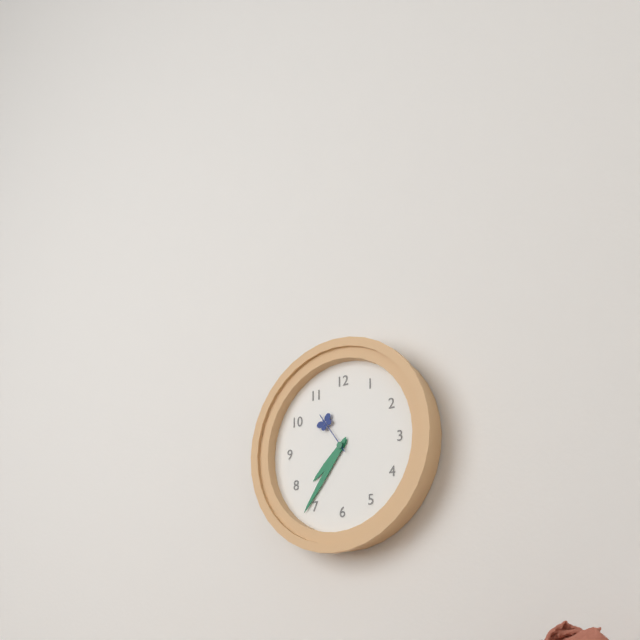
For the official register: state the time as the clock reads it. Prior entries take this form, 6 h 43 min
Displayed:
7 h 36 min
